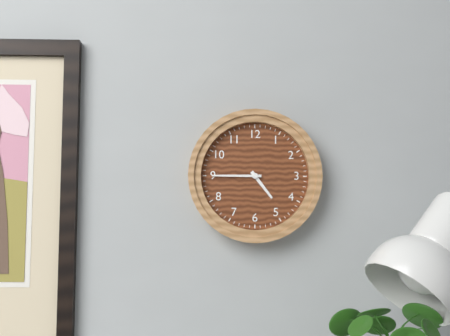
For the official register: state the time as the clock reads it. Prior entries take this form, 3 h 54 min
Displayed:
4 h 45 min
